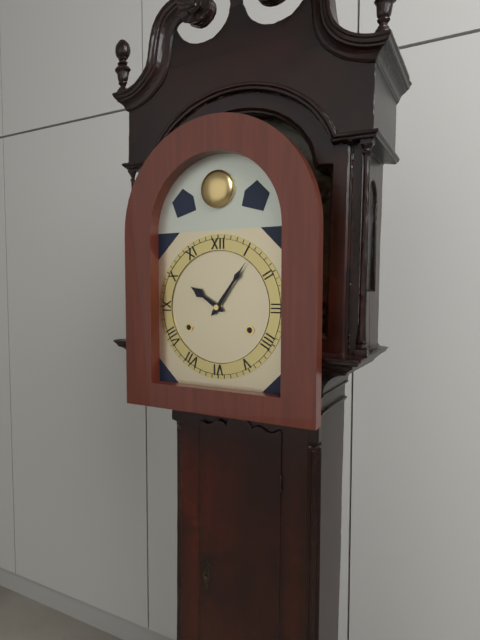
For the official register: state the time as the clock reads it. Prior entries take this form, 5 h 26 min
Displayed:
10 h 06 min
